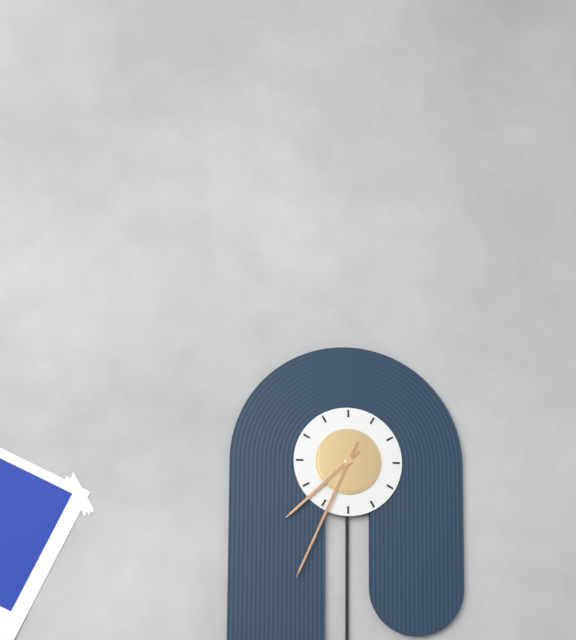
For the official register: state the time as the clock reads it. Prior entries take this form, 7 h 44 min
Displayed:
7 h 34 min
